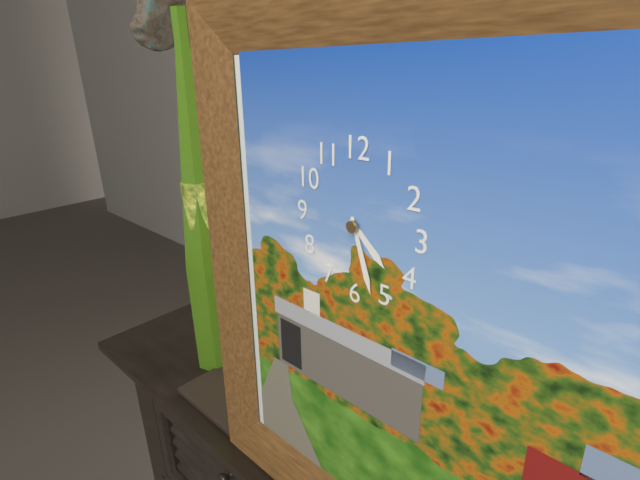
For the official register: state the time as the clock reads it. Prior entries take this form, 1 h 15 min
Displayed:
4 h 27 min
